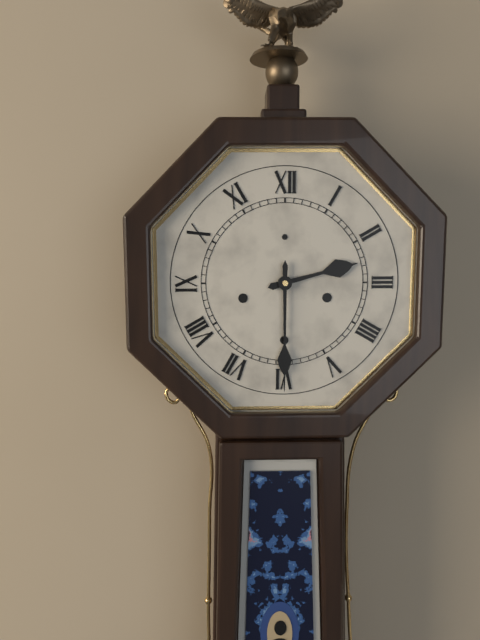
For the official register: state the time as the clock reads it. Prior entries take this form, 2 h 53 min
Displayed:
2 h 30 min
